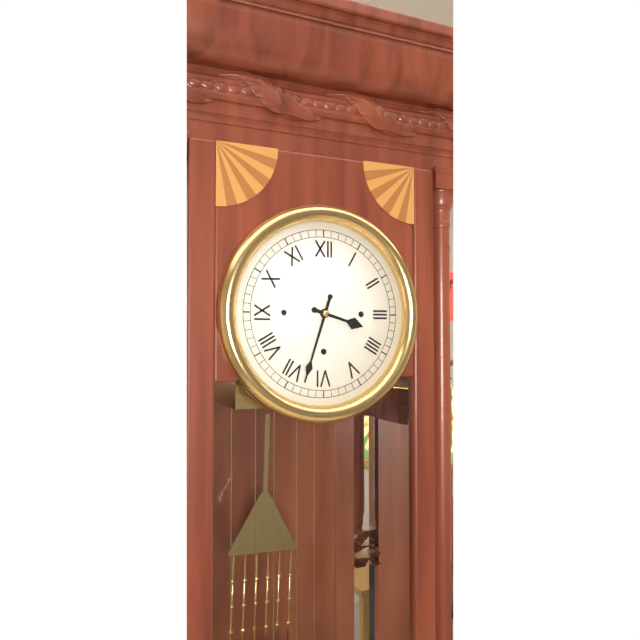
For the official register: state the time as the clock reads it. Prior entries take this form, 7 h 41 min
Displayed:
3 h 33 min
